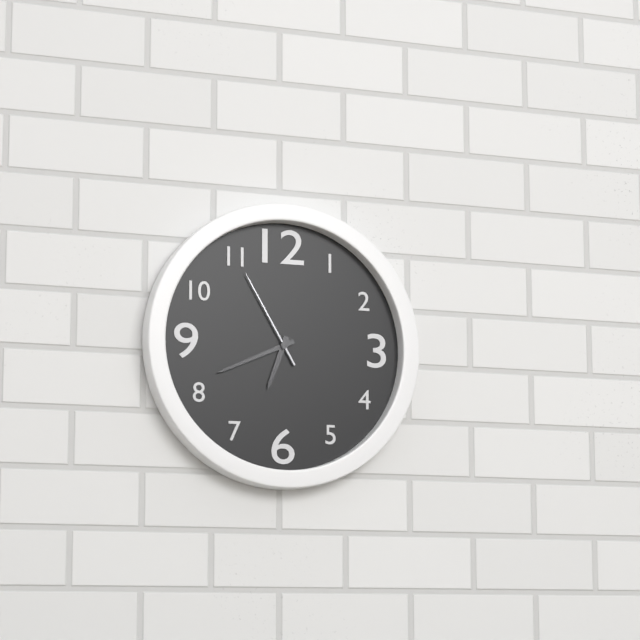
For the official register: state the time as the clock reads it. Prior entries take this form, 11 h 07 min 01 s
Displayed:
6 h 41 min 55 s
